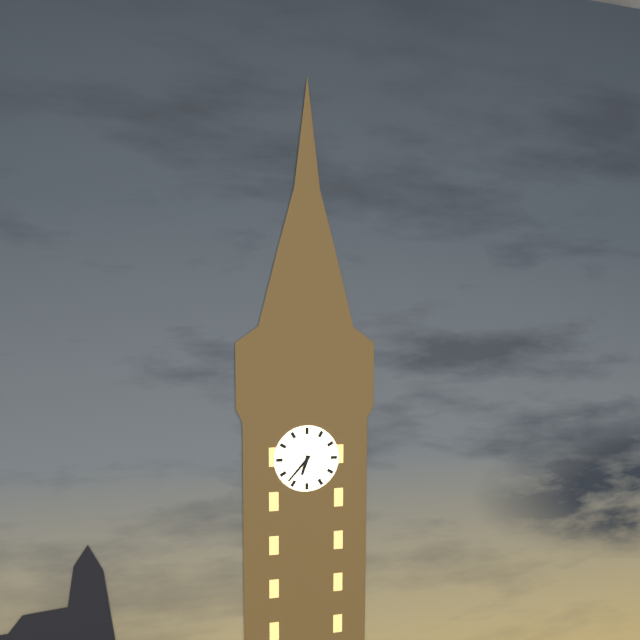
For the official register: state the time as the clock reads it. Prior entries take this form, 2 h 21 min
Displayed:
6 h 37 min
